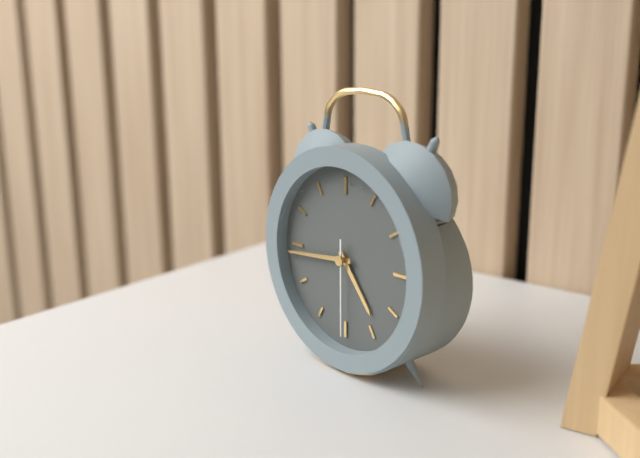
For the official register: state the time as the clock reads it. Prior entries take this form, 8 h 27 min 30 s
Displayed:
4 h 44 min 30 s
